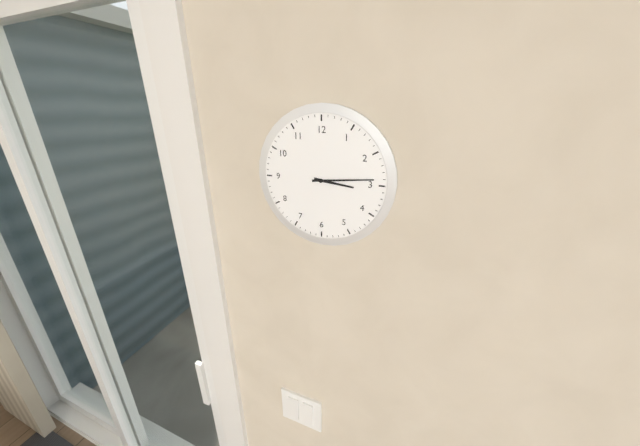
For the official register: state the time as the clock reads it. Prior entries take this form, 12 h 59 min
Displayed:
3 h 14 min
